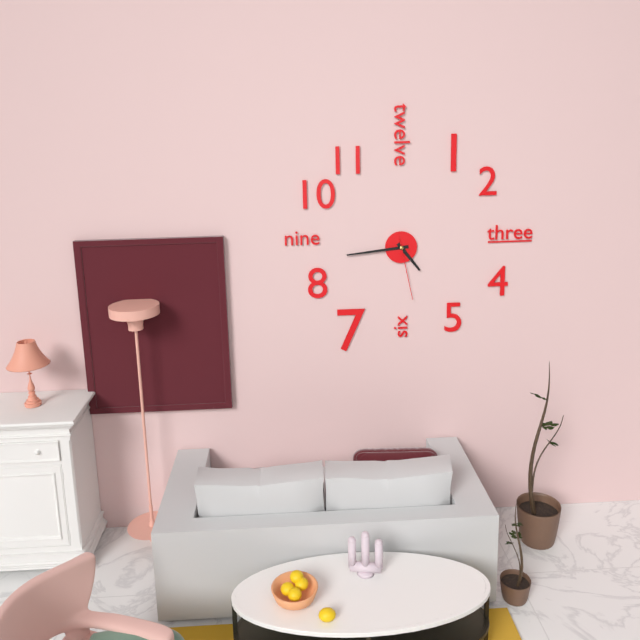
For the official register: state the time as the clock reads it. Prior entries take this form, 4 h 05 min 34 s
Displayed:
4 h 44 min 28 s
